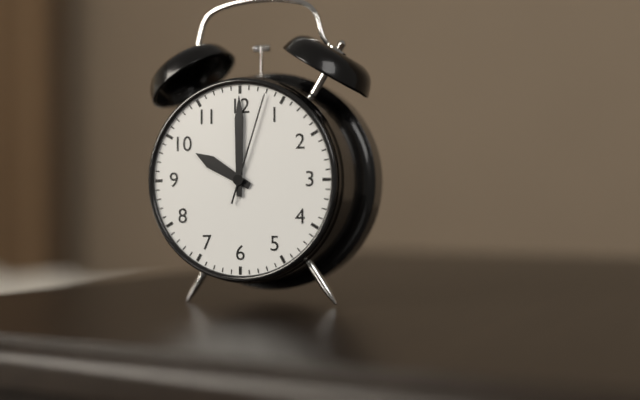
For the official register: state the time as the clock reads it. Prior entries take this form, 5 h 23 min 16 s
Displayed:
10 h 00 min 03 s
